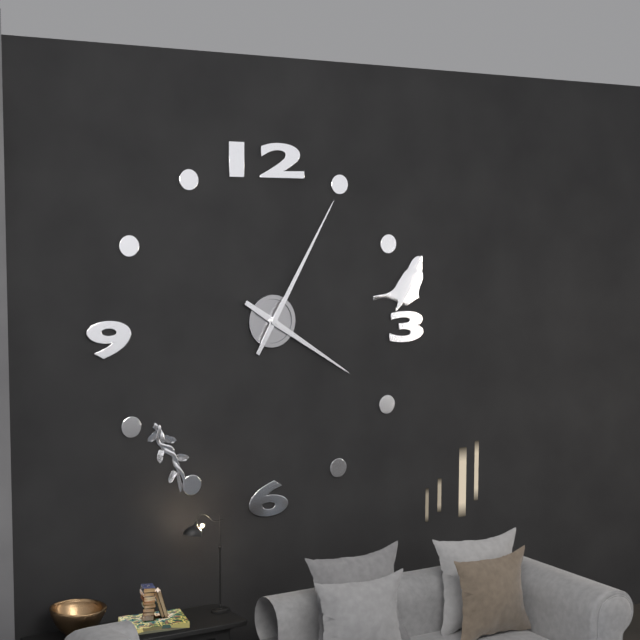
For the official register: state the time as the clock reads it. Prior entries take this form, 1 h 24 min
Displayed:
4 h 05 min
